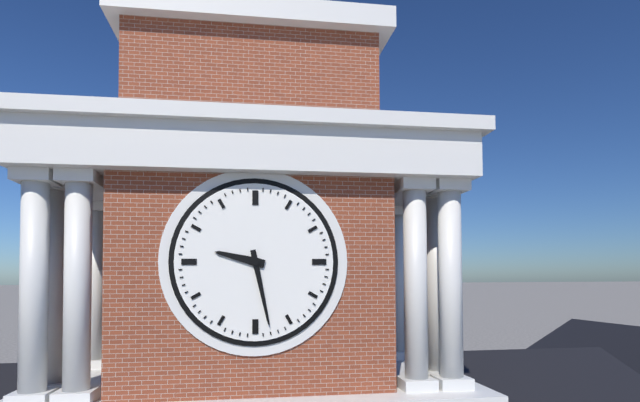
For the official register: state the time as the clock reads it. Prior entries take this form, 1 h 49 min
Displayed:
9 h 28 min
